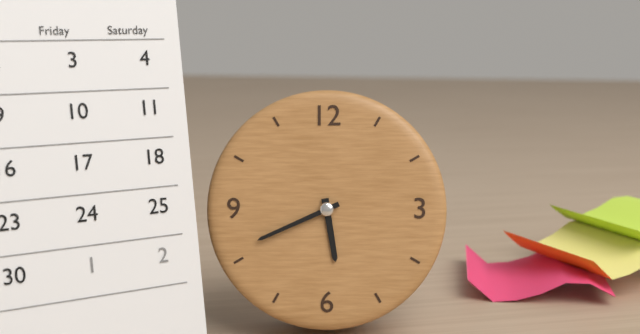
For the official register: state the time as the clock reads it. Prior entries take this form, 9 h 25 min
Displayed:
5 h 41 min
